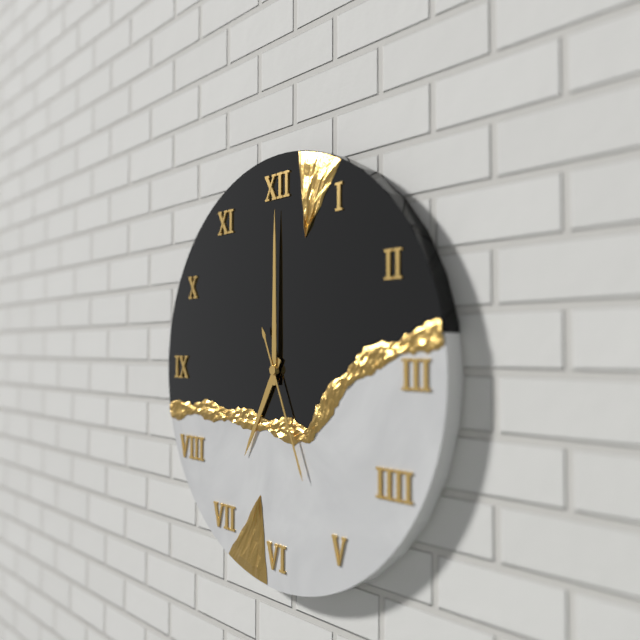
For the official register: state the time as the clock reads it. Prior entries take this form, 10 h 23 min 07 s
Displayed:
7 h 00 min 26 s
